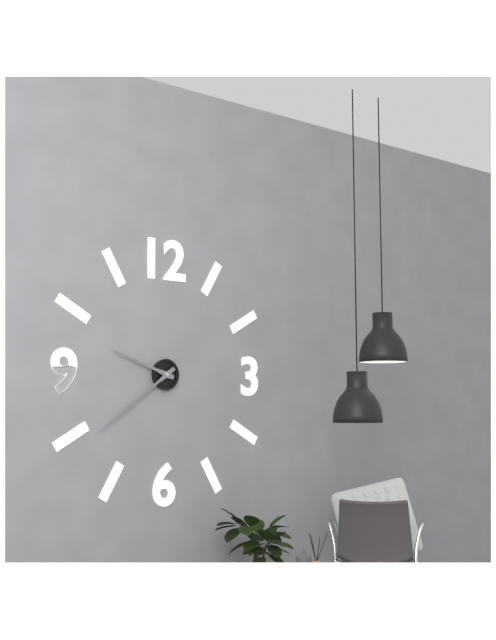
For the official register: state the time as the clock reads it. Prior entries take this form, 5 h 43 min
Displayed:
9 h 39 min
